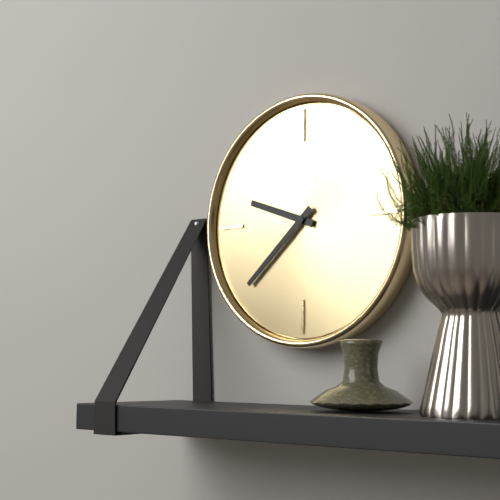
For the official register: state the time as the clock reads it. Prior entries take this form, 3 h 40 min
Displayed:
9 h 38 min
